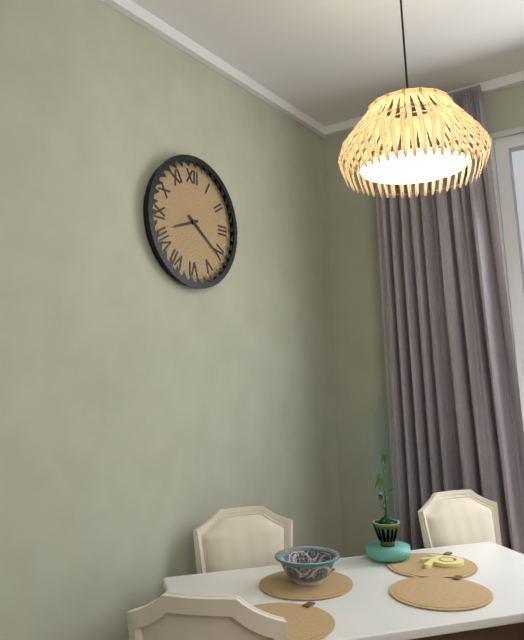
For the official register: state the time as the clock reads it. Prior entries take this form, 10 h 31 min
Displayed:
8 h 21 min
